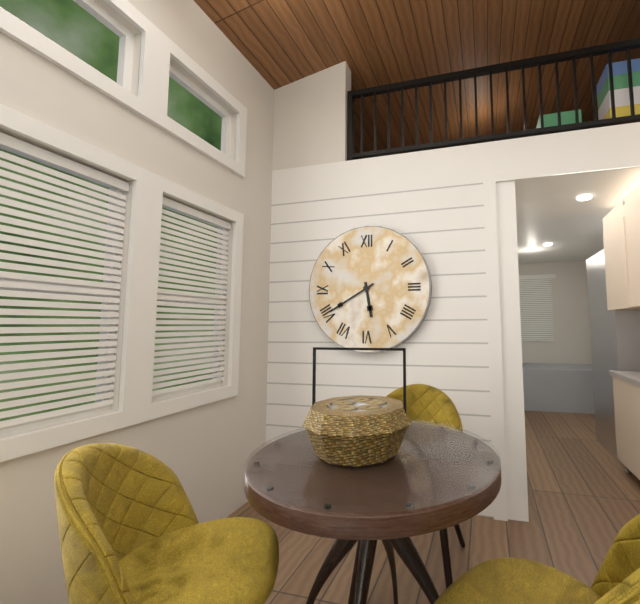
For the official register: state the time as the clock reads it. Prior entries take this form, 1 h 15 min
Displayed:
5 h 40 min
